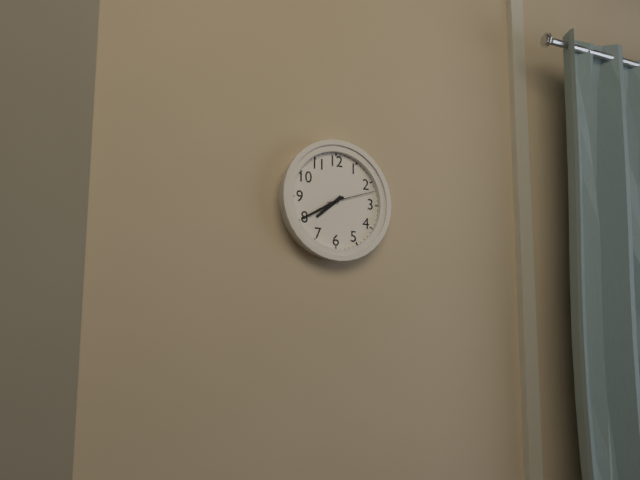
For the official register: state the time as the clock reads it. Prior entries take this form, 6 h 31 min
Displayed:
7 h 40 min
